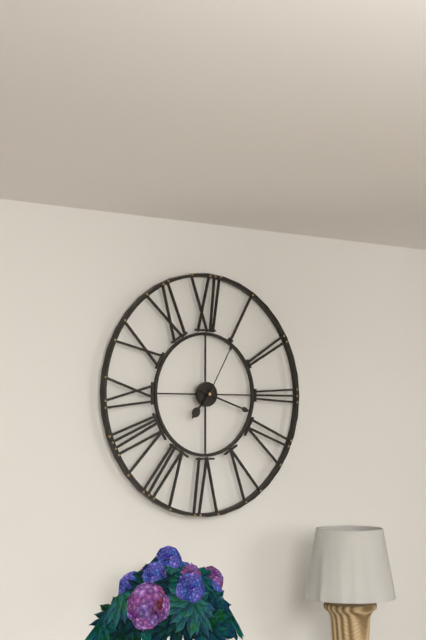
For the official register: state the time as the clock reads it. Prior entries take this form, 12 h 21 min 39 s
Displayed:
7 h 18 min 05 s
